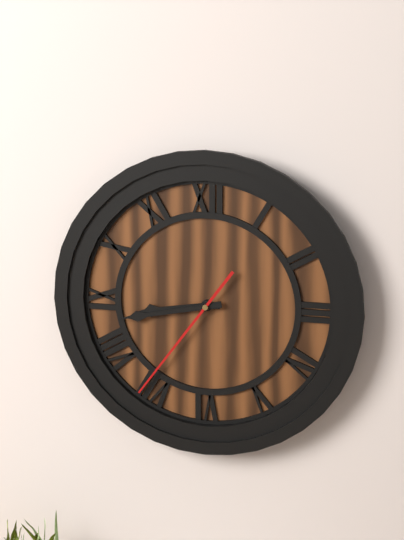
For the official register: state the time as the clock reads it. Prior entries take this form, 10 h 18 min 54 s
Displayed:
8 h 43 min 36 s
